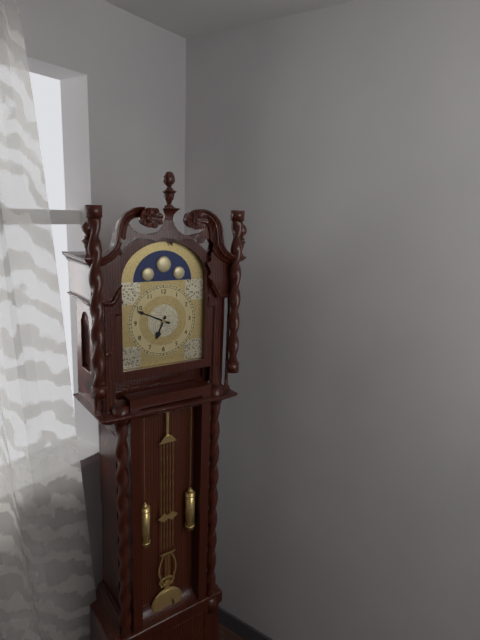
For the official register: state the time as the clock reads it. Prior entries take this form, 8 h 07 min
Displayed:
6 h 49 min
